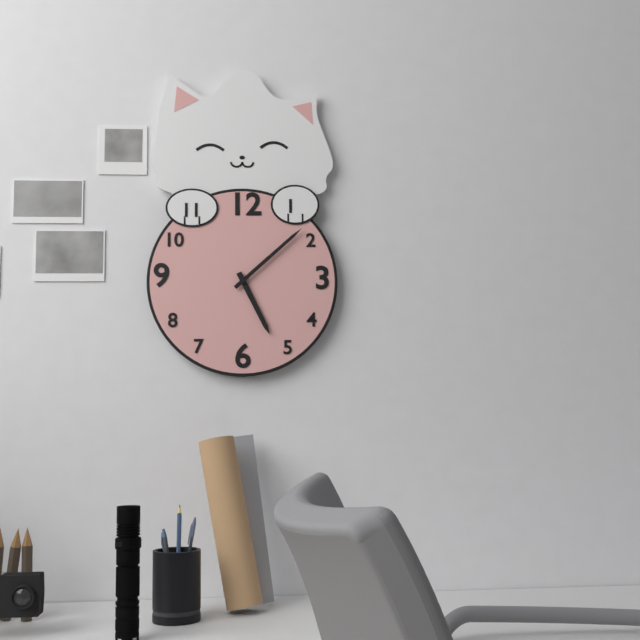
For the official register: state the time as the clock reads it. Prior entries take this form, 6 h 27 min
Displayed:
5 h 08 min
